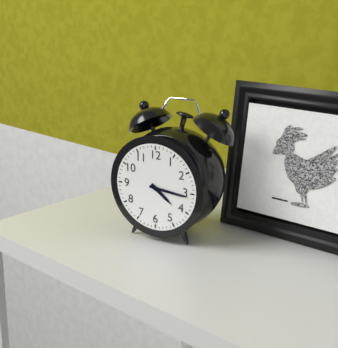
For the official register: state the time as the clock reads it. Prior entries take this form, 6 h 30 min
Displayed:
4 h 16 min
